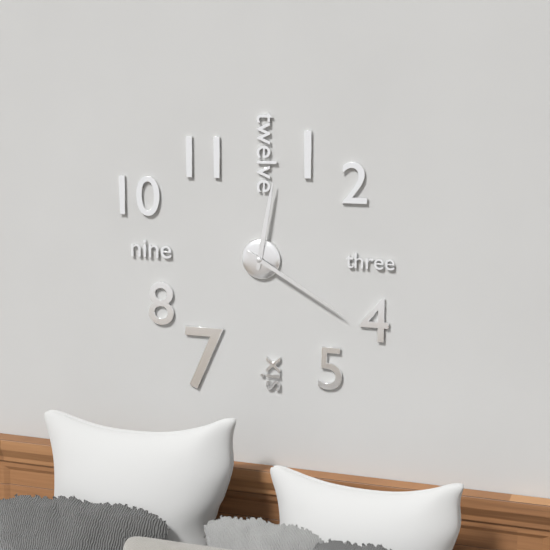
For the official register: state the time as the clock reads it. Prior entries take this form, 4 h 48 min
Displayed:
12 h 20 min
